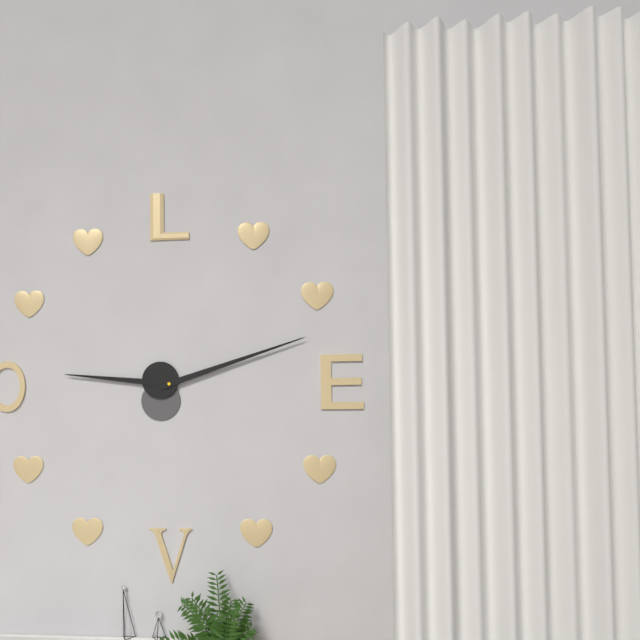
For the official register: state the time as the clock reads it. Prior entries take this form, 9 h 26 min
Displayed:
9 h 12 min
